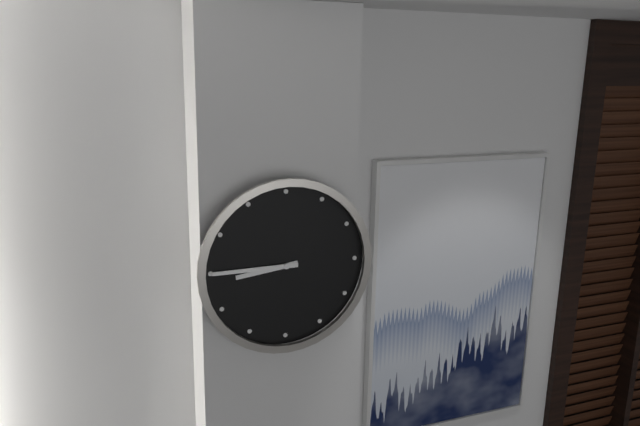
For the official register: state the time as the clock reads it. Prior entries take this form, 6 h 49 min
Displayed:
8 h 45 min
